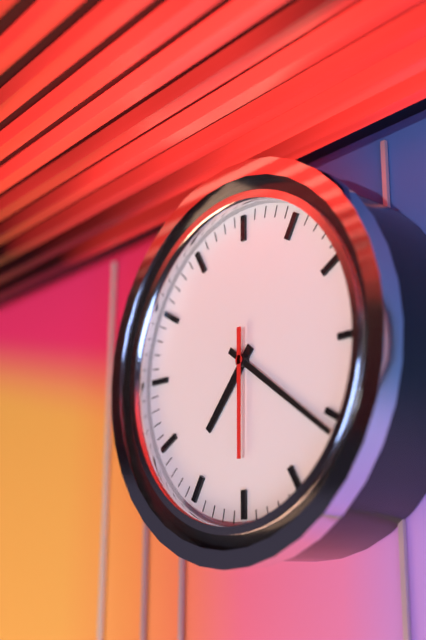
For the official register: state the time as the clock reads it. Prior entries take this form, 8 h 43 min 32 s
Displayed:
7 h 21 min 30 s
